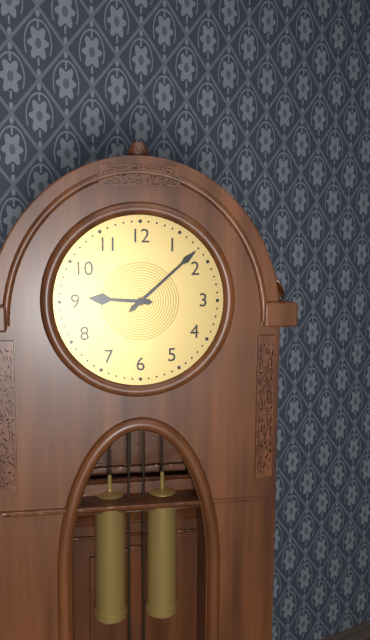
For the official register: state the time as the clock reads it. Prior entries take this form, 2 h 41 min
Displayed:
9 h 08 min
